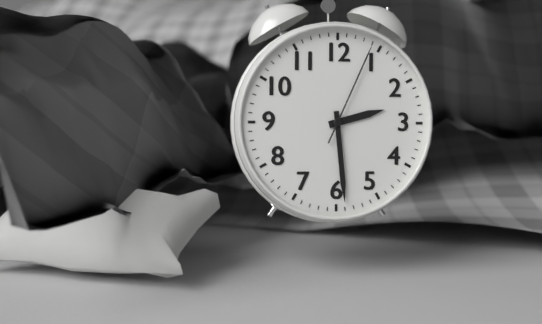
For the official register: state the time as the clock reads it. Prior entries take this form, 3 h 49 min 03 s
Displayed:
2 h 29 min 04 s
